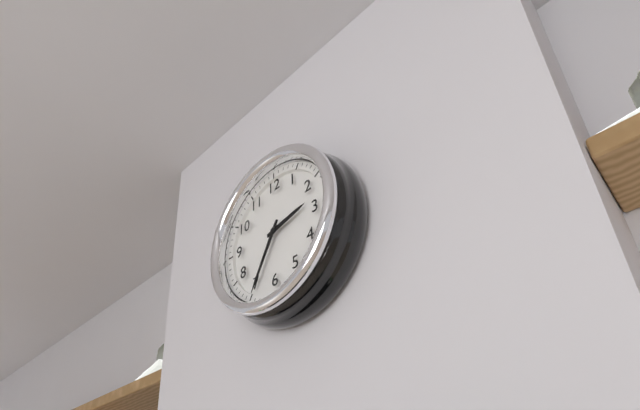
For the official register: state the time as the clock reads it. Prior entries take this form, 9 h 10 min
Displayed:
2 h 35 min
